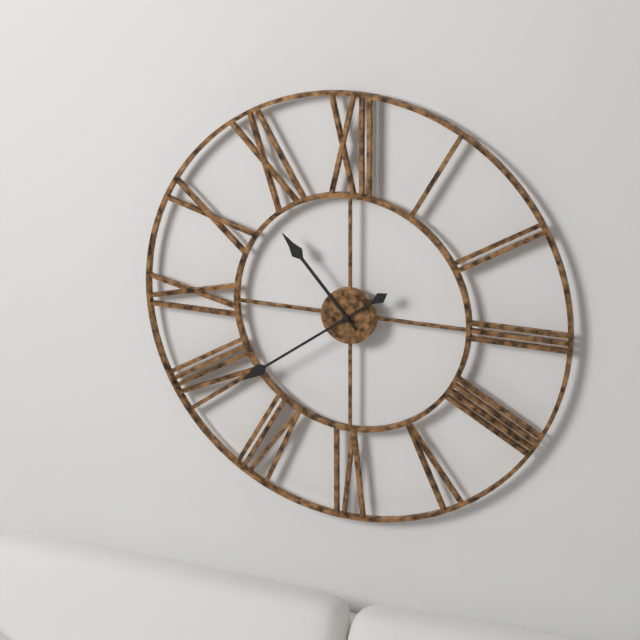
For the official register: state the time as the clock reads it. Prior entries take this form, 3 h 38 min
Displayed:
10 h 39 min
